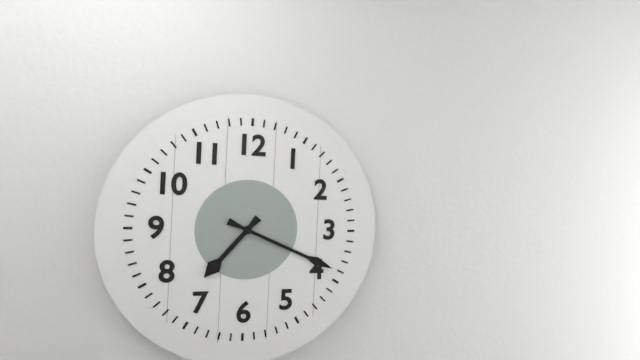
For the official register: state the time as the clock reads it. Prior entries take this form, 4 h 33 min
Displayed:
7 h 19 min
